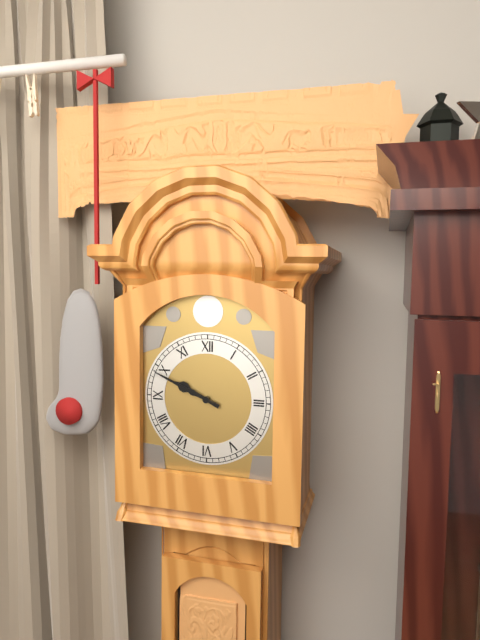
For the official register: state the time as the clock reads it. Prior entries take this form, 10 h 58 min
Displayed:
9 h 49 min
